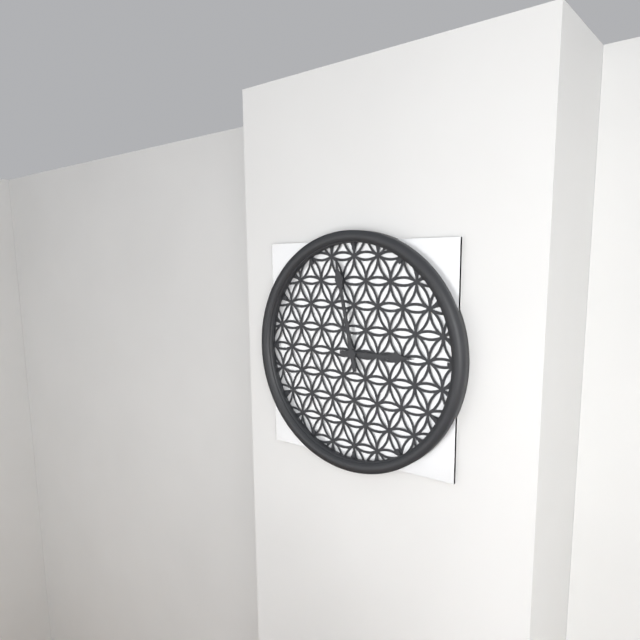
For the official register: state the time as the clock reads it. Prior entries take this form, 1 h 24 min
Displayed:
2 h 58 min
